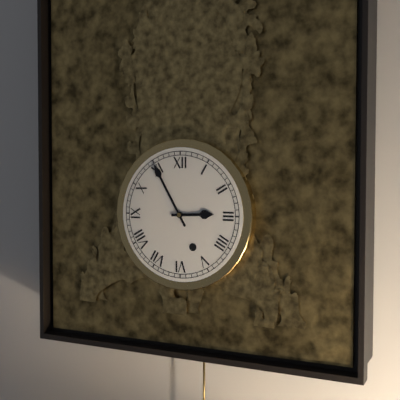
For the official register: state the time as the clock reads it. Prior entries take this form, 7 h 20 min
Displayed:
2 h 55 min
